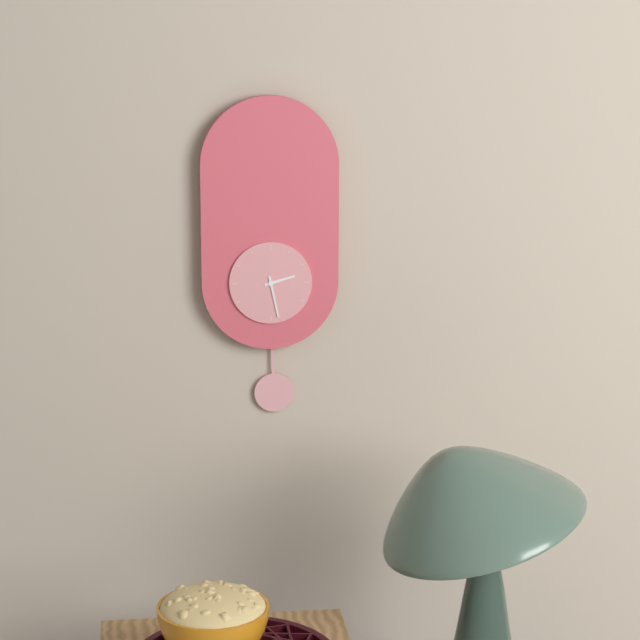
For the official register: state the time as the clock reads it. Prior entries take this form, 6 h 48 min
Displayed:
2 h 28 min
